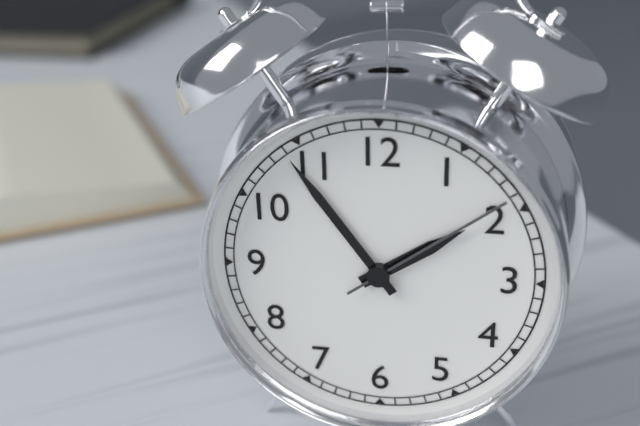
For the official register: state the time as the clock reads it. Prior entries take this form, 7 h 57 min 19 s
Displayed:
1 h 54 min 09 s
